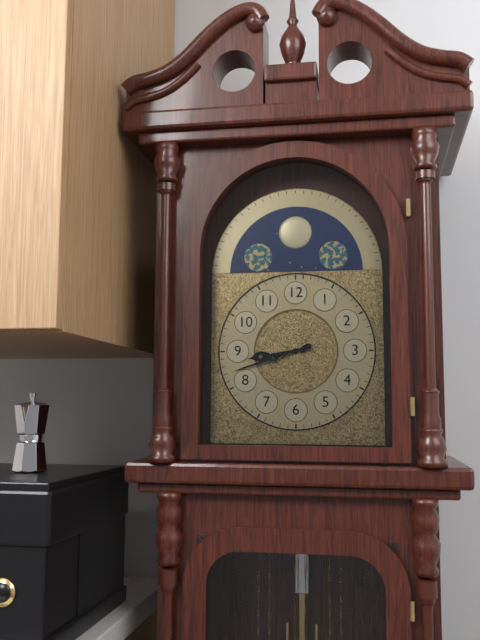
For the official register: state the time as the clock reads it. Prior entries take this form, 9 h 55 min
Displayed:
8 h 42 min
